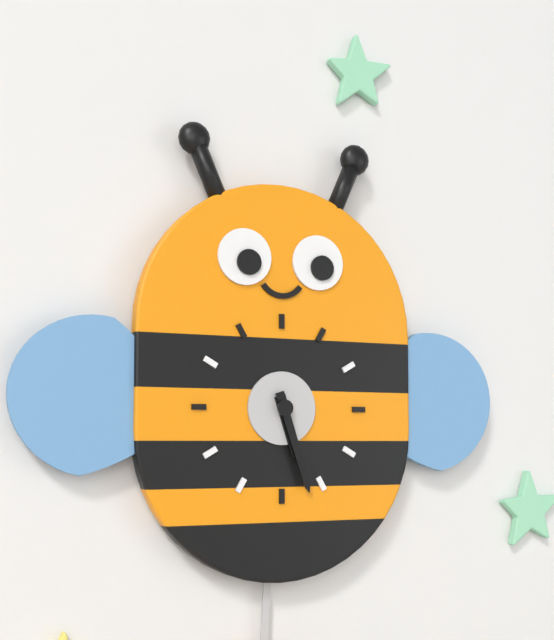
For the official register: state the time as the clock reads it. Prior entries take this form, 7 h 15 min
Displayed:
5 h 27 min
